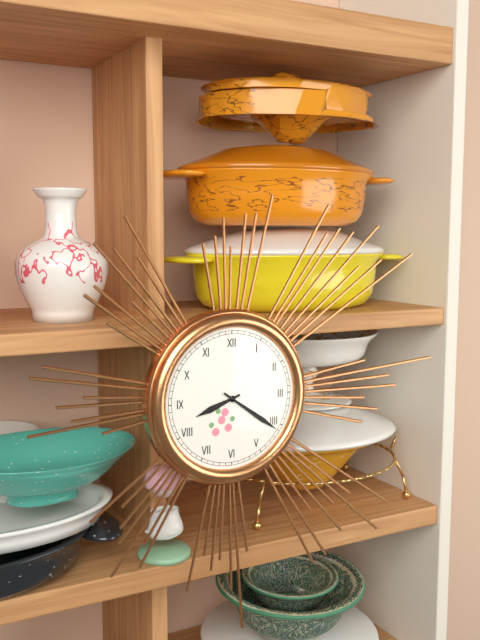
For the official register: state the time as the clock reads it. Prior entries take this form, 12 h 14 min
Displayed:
8 h 21 min
